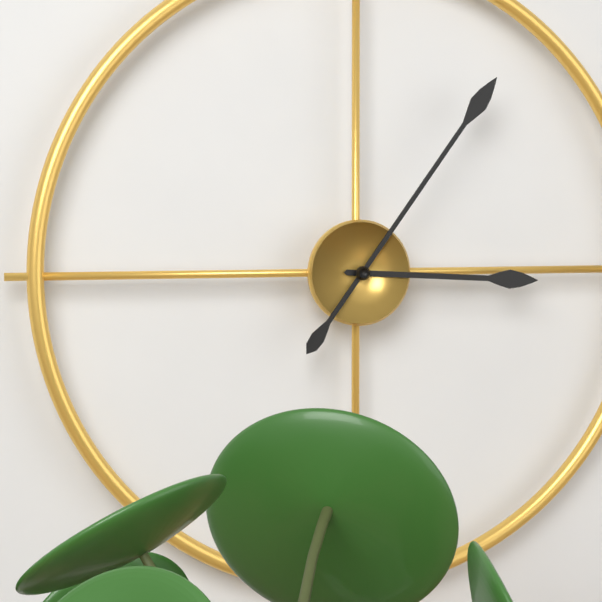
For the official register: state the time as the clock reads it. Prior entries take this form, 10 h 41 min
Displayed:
3 h 06 min
